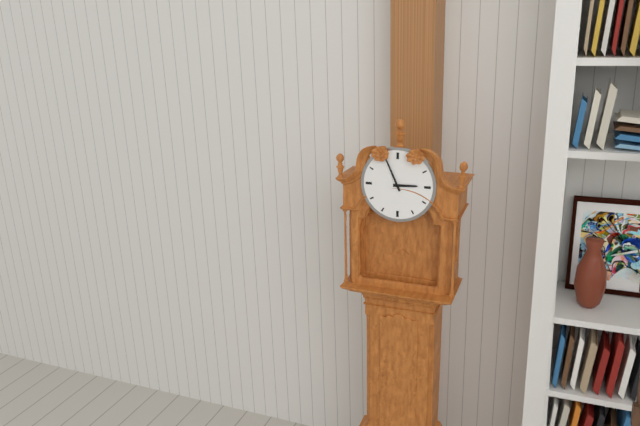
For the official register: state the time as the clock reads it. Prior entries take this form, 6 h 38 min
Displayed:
2 h 56 min
